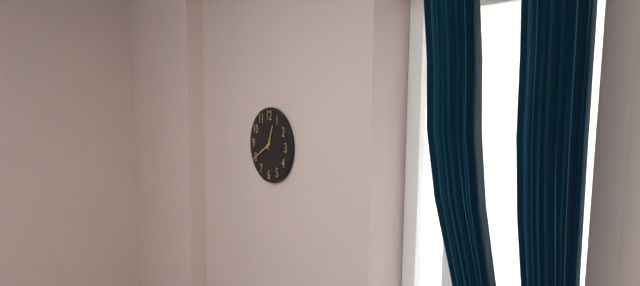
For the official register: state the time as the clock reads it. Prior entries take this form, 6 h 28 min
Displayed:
12 h 40 min
